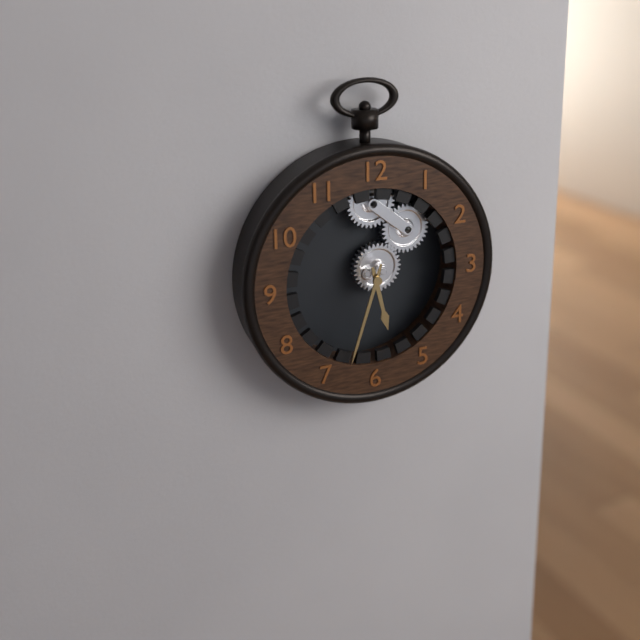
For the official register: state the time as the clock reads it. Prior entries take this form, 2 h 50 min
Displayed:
5 h 33 min
